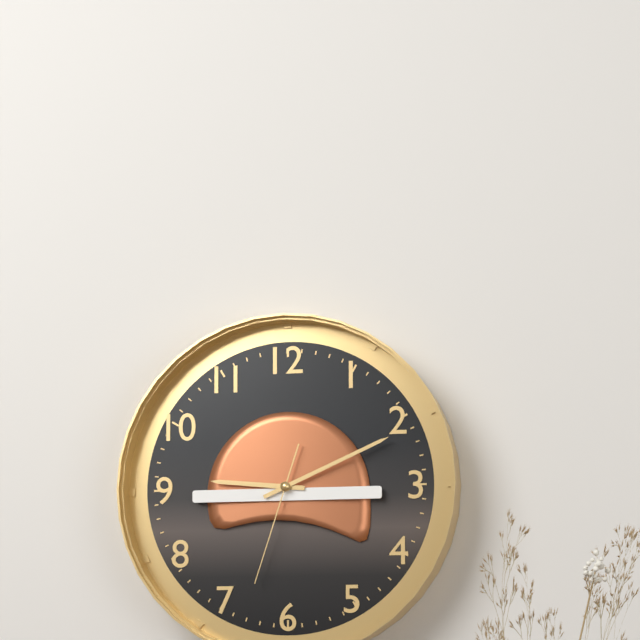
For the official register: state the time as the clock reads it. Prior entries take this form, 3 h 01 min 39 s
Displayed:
9 h 11 min 33 s
